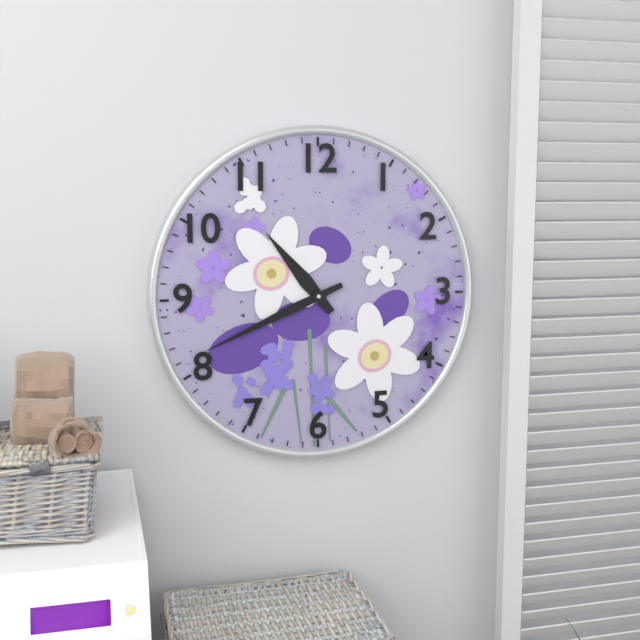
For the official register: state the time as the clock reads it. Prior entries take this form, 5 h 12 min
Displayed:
10 h 41 min
